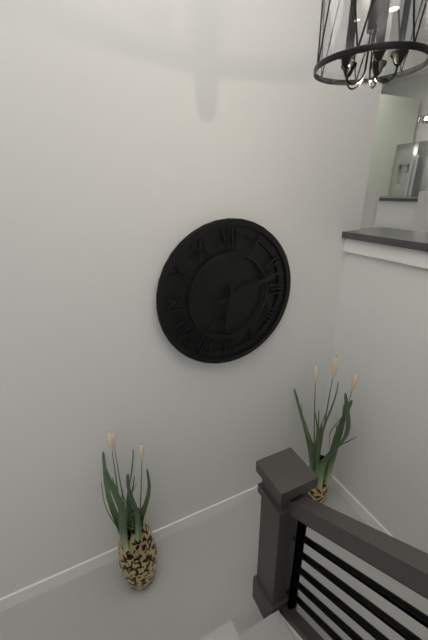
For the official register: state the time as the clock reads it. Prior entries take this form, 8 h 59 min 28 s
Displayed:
6 h 12 min 37 s
